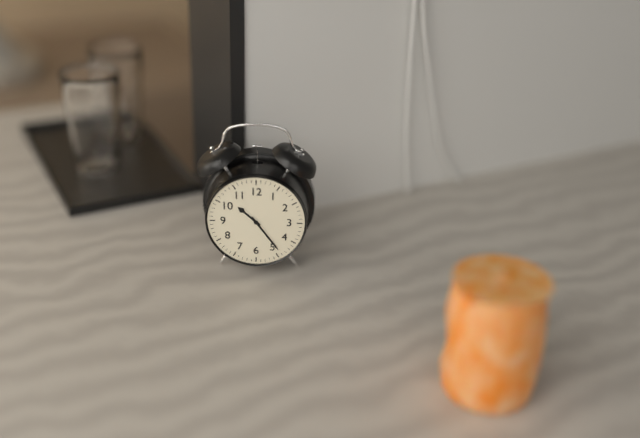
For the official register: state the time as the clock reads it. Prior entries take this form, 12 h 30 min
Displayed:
10 h 24 min
